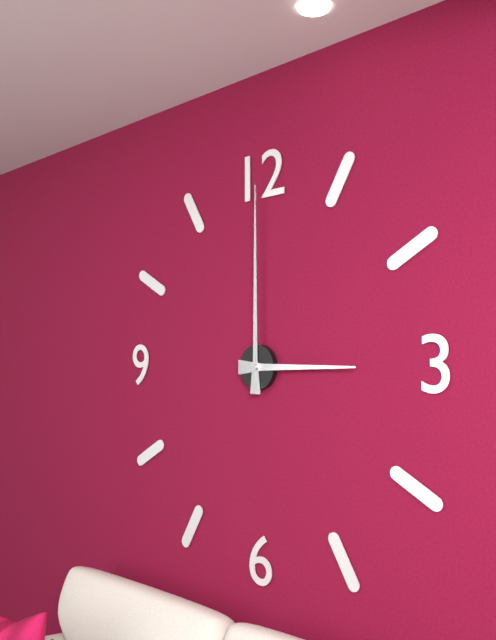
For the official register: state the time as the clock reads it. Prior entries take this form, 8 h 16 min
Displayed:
3 h 00 min
